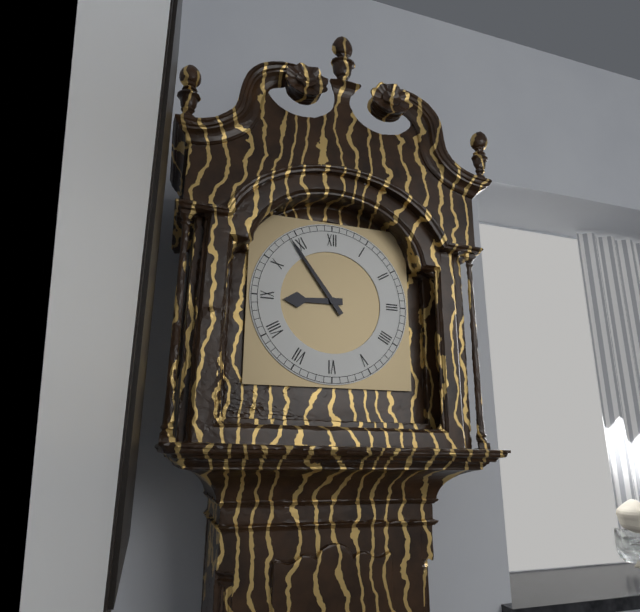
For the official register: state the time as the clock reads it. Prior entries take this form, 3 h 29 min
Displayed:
8 h 54 min
